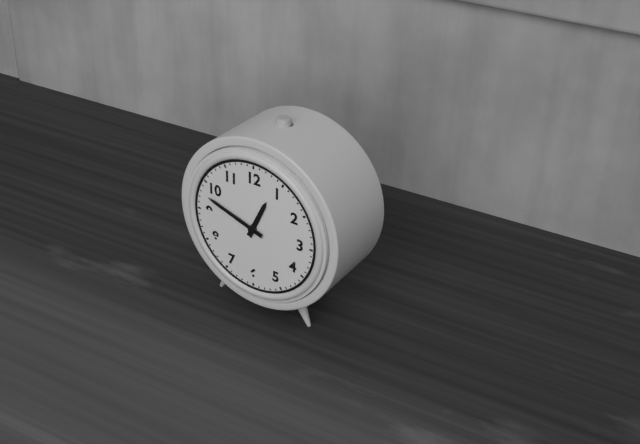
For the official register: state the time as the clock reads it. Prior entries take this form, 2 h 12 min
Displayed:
12 h 48 min
